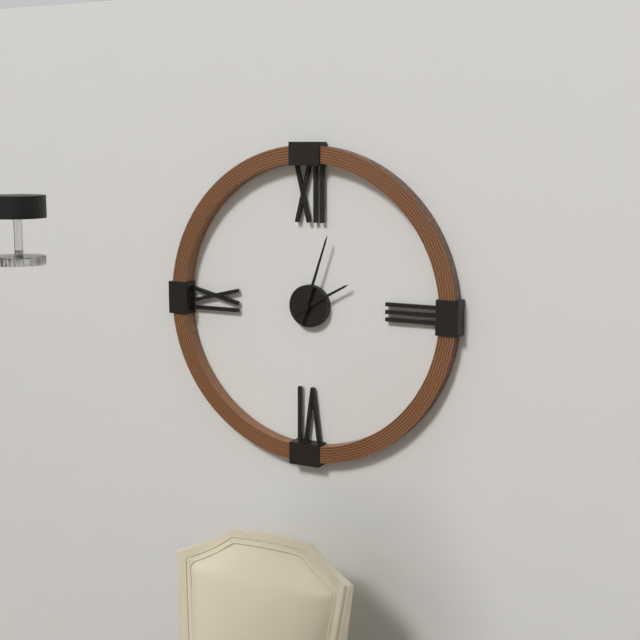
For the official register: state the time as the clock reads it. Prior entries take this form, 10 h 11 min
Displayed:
2 h 03 min
